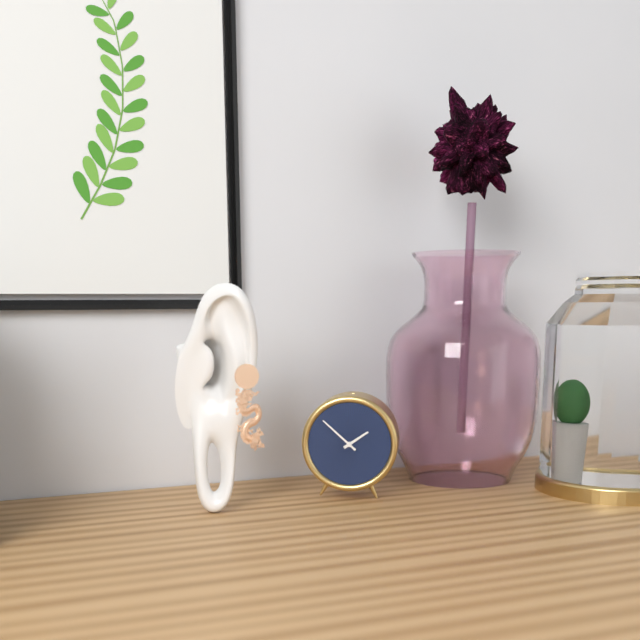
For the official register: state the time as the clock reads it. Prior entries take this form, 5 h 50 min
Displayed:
1 h 52 min
